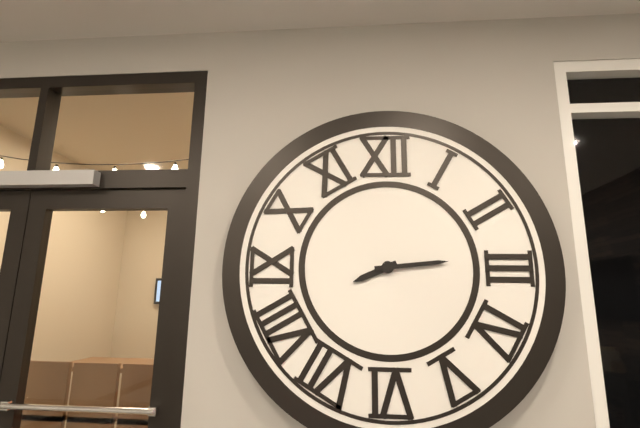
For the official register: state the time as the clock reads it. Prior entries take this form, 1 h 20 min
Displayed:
8 h 14 min
